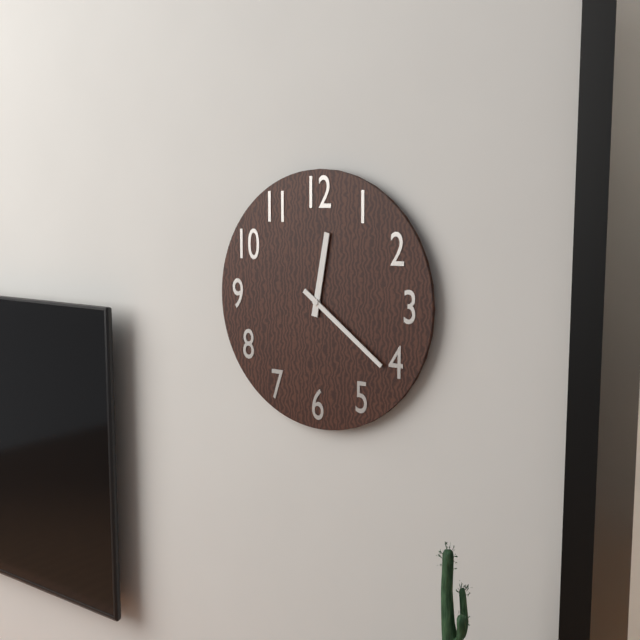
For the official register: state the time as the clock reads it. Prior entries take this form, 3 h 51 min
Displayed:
12 h 21 min
